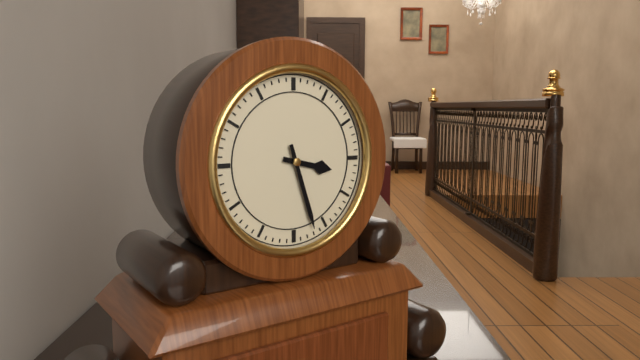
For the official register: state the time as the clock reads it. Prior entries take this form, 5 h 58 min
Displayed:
3 h 27 min
